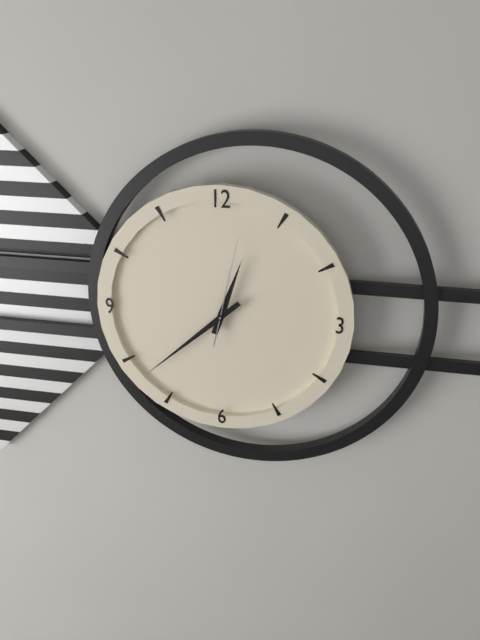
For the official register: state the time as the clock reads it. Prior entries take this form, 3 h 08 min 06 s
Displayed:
12 h 38 min 02 s
